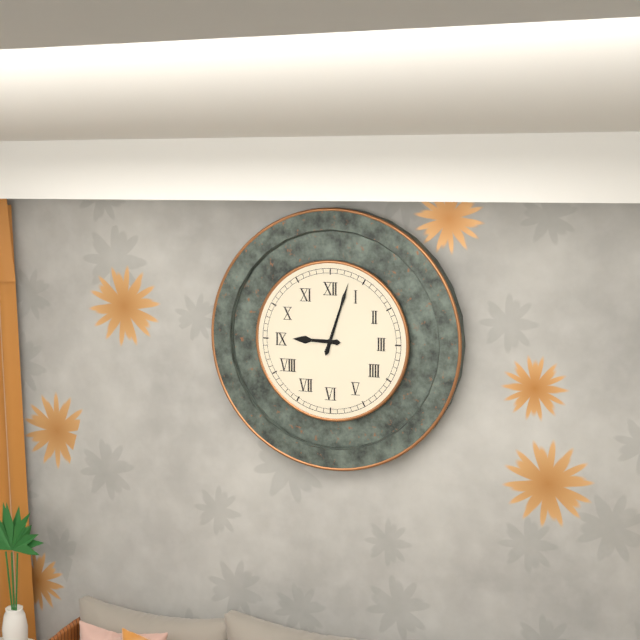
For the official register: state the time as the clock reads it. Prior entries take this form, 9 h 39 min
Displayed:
9 h 03 min
